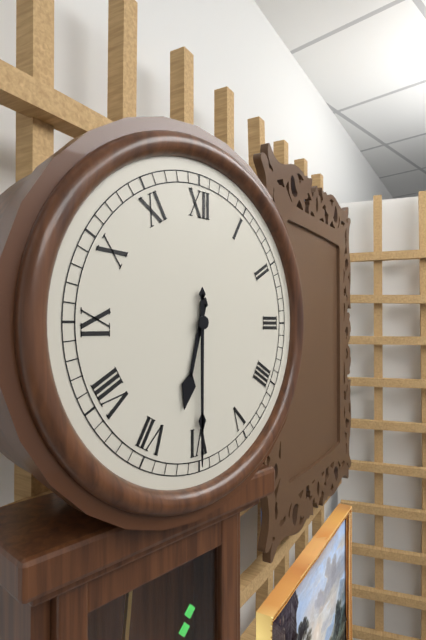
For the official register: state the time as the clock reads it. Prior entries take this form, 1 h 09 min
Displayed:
6 h 30 min
